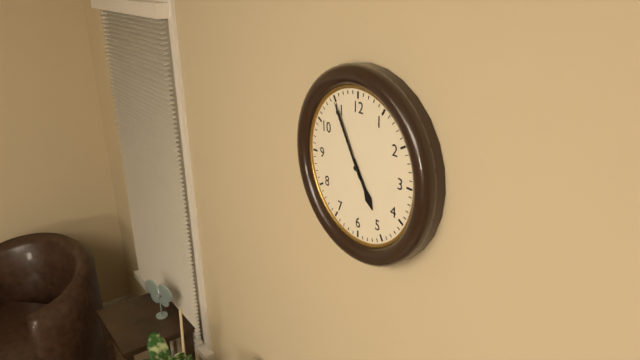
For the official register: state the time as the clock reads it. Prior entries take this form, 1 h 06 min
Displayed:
4 h 55 min
